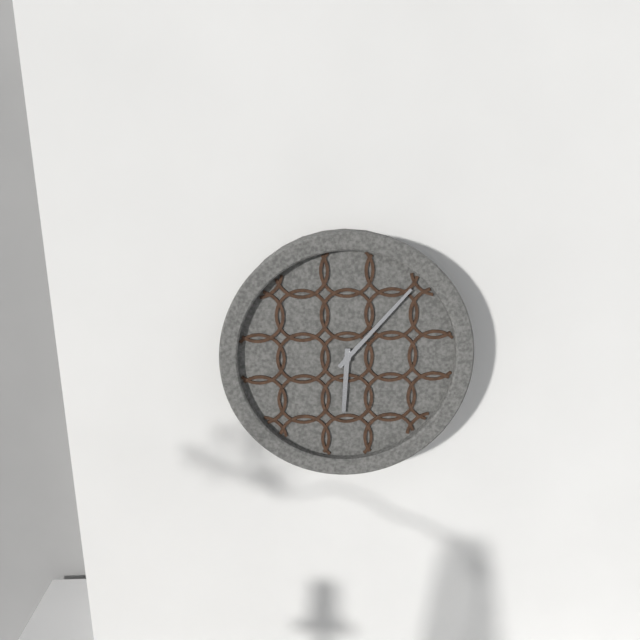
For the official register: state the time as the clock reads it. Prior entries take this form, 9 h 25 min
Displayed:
6 h 07 min
